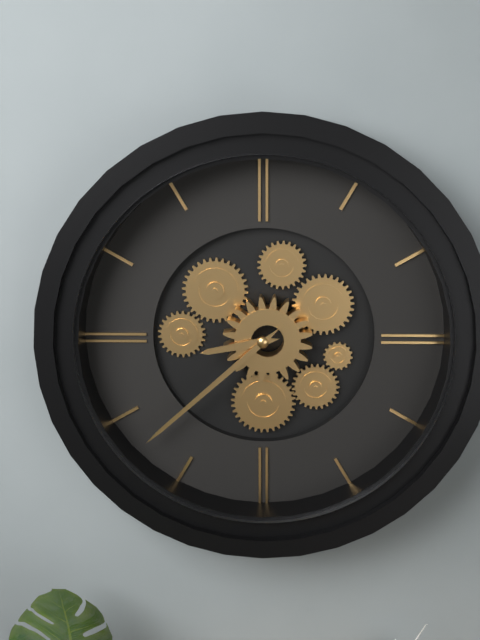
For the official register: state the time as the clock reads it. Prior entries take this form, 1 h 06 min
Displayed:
8 h 38 min
